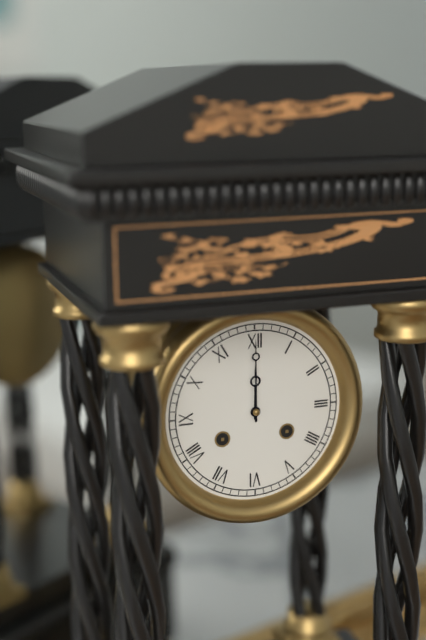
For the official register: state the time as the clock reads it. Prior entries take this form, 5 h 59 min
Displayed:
12 h 00 min
